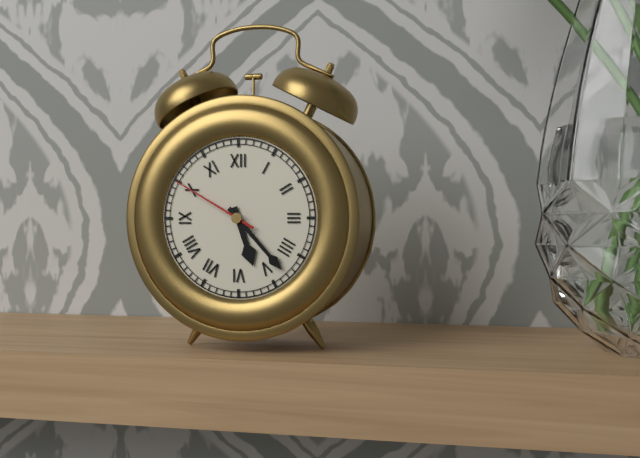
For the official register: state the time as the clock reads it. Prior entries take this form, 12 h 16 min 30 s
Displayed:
5 h 23 min 50 s
